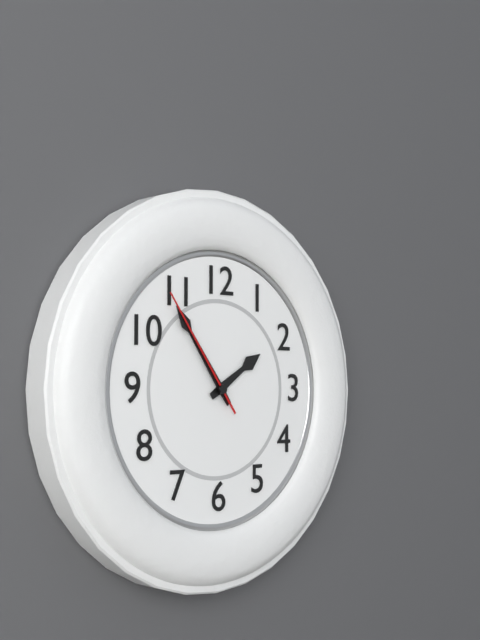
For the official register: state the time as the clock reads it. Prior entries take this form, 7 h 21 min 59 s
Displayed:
1 h 54 min 54 s
